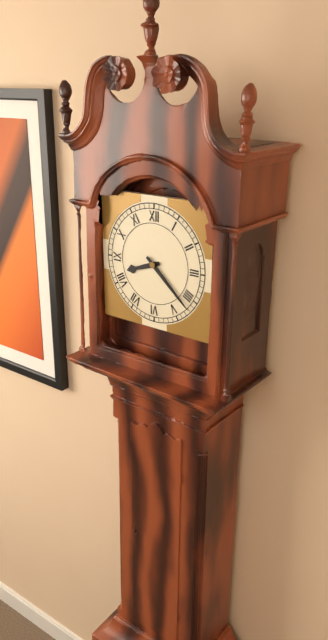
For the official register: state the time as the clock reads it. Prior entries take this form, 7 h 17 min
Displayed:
8 h 22 min
